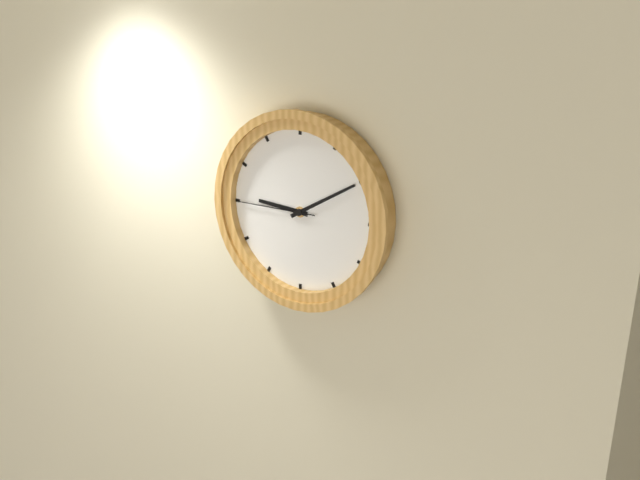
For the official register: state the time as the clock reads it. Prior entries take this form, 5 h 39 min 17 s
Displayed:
9 h 10 min 45 s
